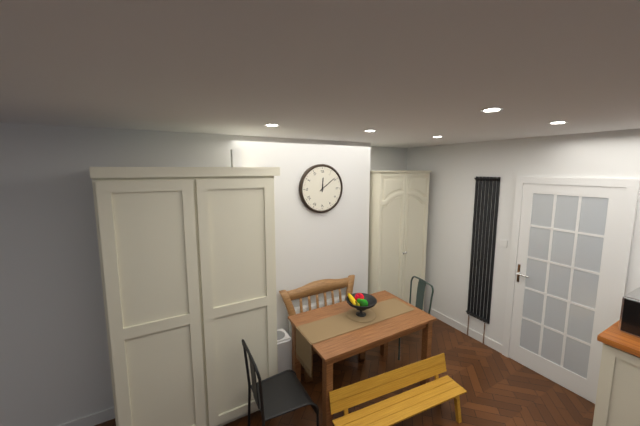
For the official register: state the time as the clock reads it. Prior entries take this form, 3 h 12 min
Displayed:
12 h 09 min
